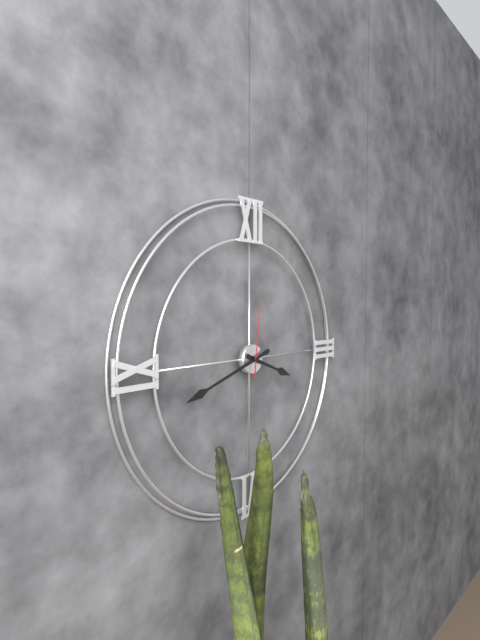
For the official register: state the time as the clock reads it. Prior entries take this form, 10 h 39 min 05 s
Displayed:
3 h 42 min 01 s
